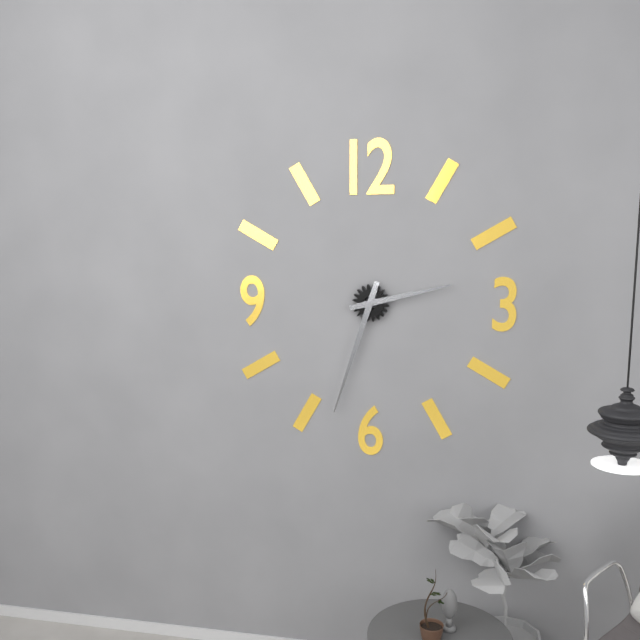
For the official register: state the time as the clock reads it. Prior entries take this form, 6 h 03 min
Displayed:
2 h 33 min
